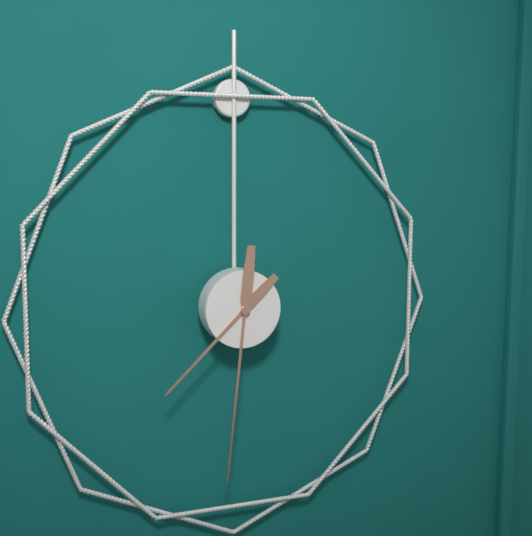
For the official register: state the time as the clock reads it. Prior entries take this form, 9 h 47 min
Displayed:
7 h 31 min
